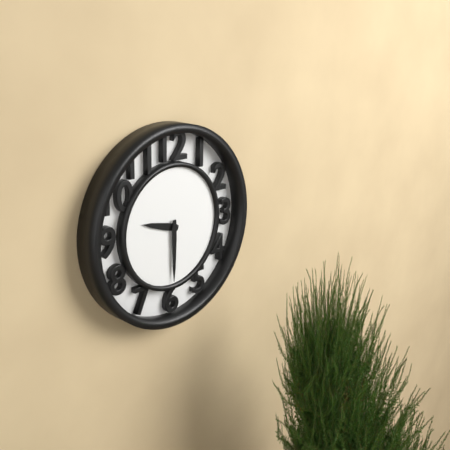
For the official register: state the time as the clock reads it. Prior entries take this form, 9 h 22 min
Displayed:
9 h 30 min
